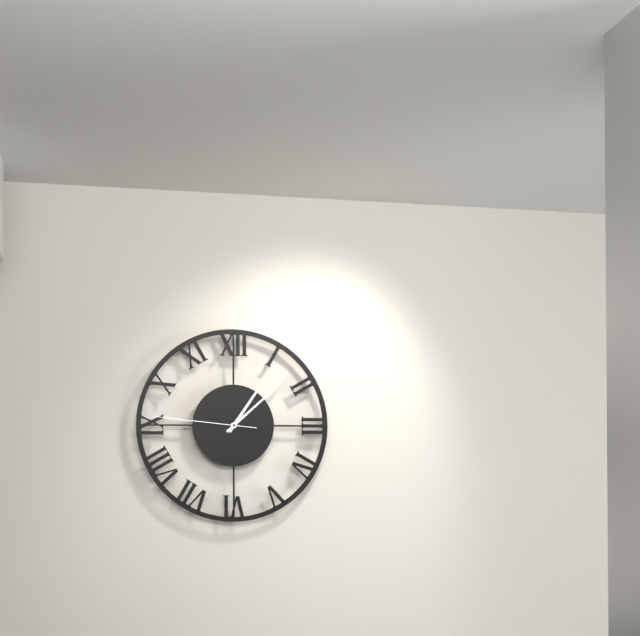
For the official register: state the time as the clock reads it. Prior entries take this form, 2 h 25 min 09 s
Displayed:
1 h 08 min 46 s
